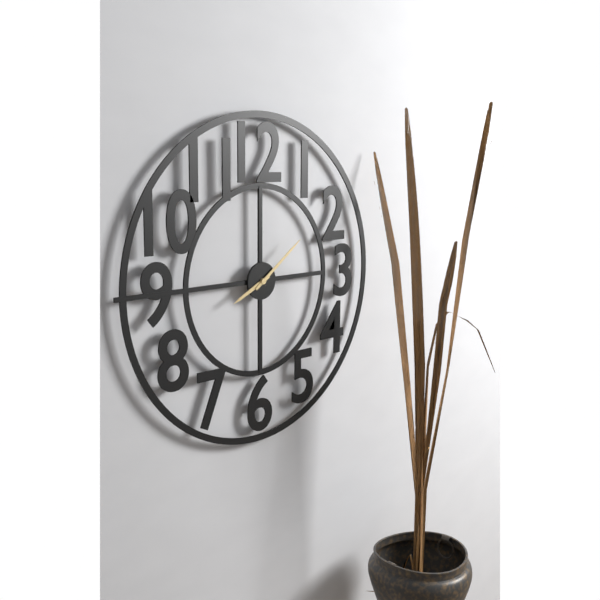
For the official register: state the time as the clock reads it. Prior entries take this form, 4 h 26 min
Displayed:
8 h 09 min
